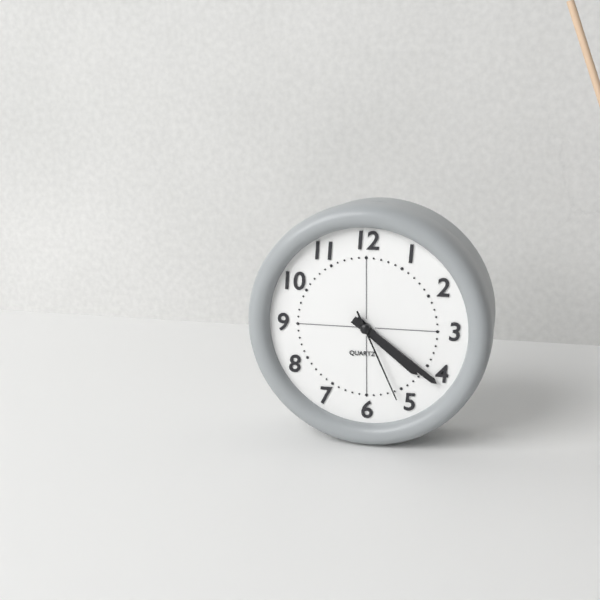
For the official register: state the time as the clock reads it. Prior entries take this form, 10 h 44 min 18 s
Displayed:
4 h 21 min 26 s
